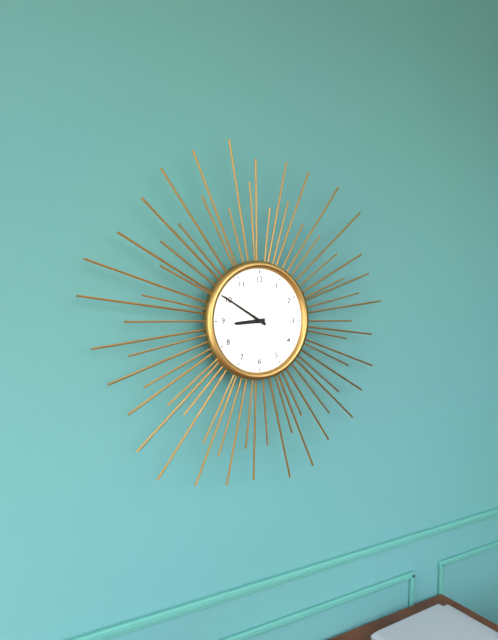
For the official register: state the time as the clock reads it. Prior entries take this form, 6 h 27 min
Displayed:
8 h 50 min
